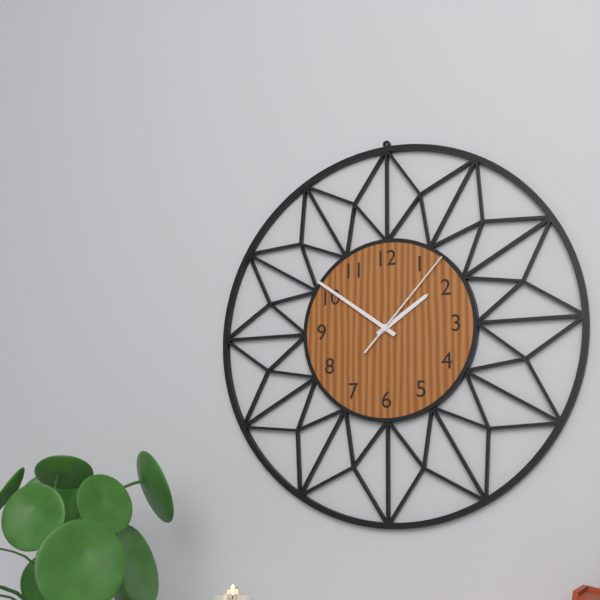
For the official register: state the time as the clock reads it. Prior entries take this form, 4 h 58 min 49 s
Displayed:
1 h 51 min 07 s
